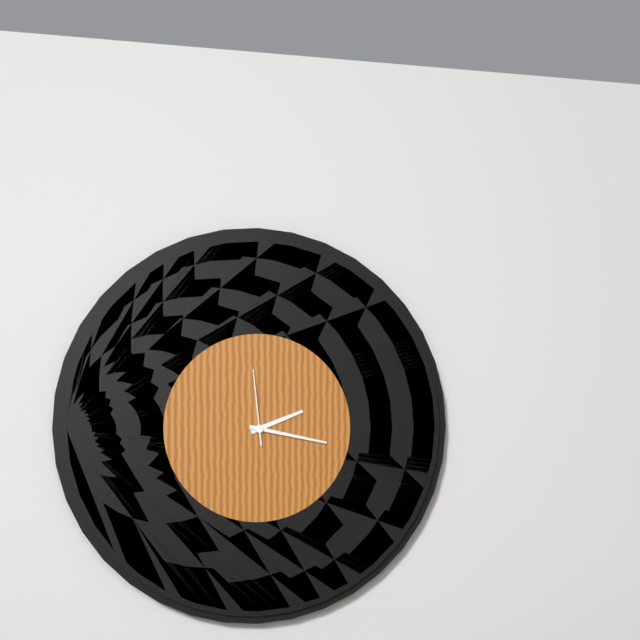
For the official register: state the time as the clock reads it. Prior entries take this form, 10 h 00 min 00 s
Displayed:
2 h 17 min 59 s
